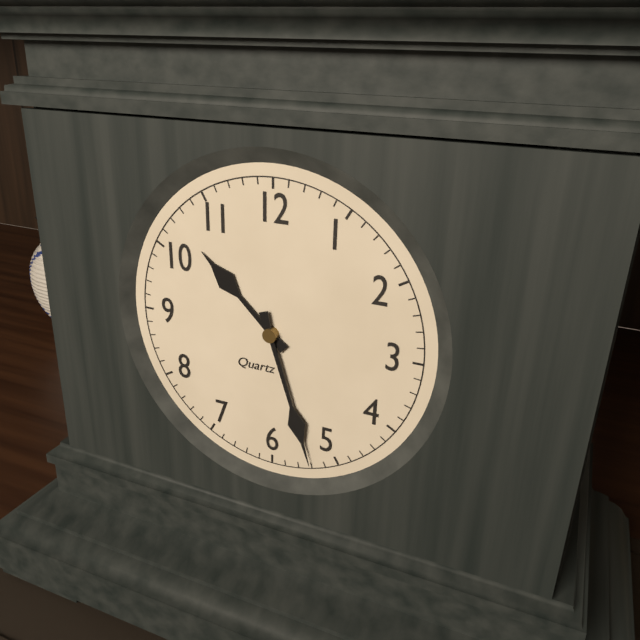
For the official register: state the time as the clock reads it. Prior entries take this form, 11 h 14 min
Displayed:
10 h 27 min
